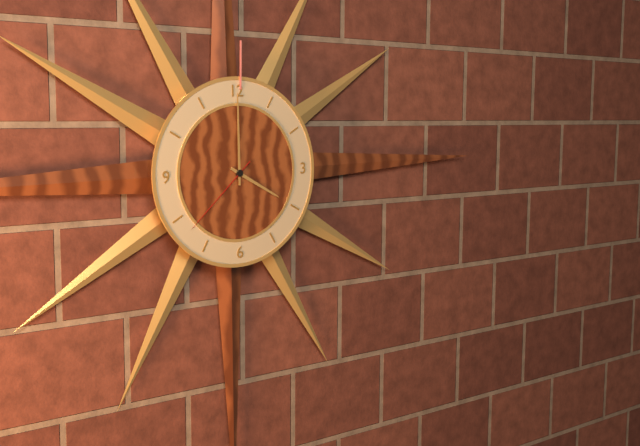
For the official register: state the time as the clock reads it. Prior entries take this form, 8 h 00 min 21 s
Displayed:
4 h 00 min 38 s
